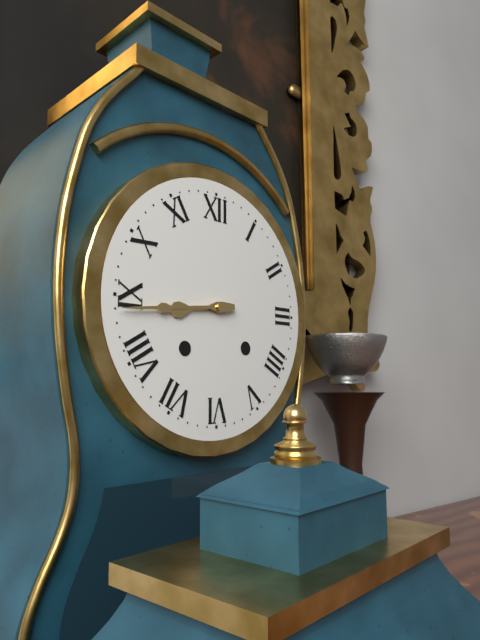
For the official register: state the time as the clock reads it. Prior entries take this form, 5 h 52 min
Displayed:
8 h 44 min
